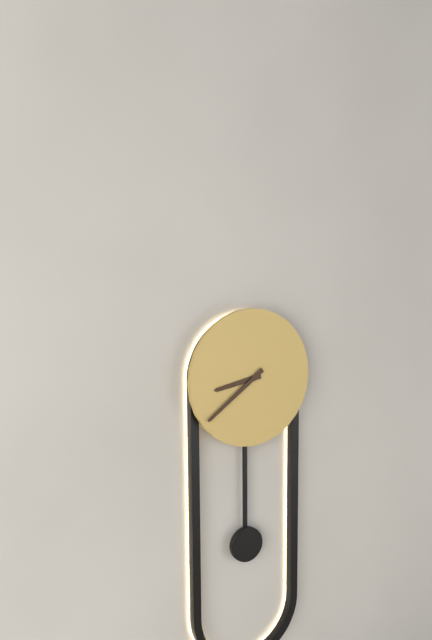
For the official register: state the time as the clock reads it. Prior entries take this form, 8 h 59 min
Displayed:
8 h 39 min
